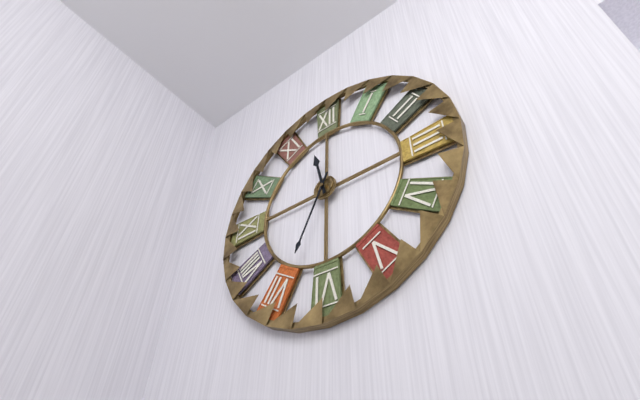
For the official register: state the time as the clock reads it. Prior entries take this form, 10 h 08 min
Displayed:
11 h 34 min
